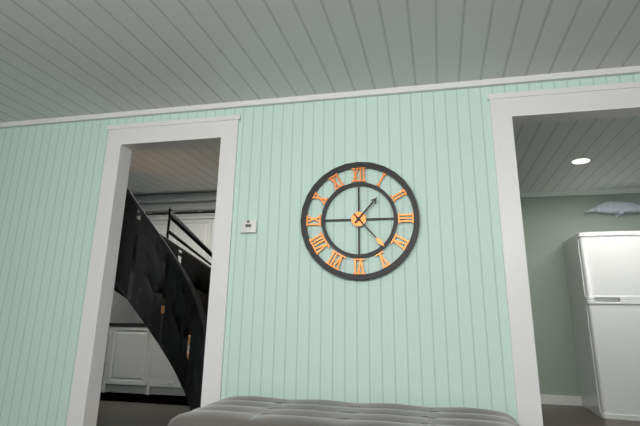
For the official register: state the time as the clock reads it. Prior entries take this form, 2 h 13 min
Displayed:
1 h 23 min
